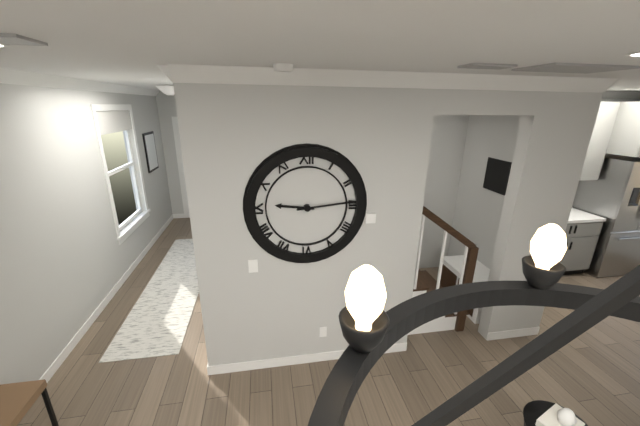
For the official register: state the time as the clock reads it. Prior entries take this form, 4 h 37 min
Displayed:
9 h 14 min
